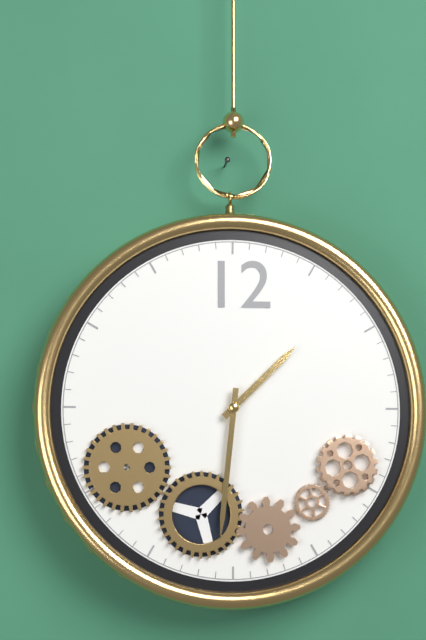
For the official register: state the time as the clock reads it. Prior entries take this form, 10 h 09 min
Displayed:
1 h 31 min
